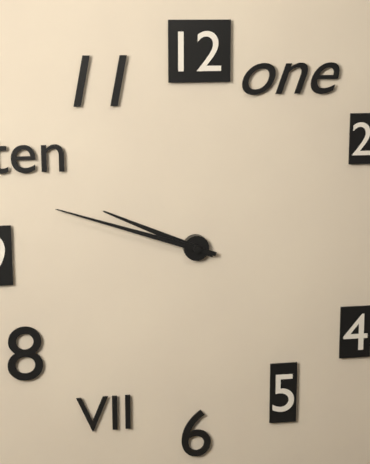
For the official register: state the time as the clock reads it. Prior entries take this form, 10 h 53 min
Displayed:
9 h 48 min
